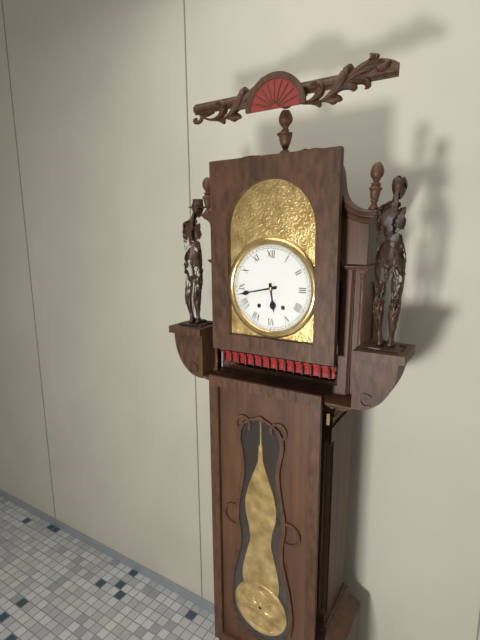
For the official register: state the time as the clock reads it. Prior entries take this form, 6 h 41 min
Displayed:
5 h 43 min
